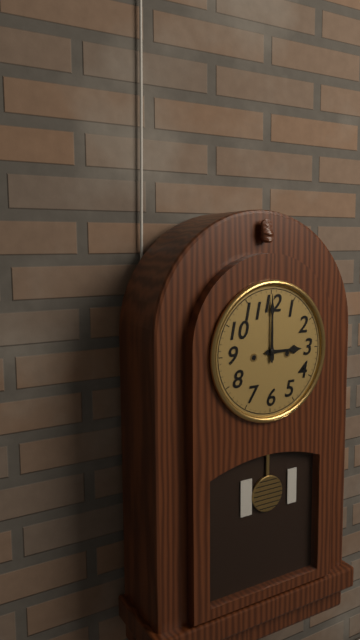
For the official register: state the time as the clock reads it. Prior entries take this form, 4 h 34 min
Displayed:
3 h 00 min
